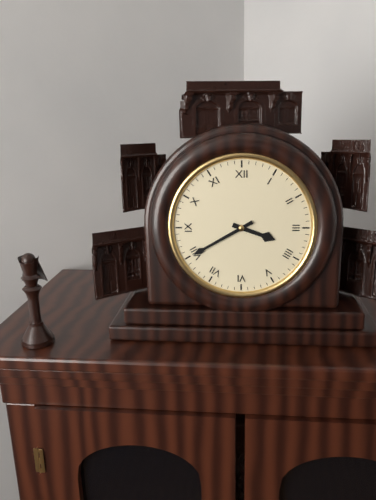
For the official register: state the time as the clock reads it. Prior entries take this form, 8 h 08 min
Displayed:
3 h 40 min
